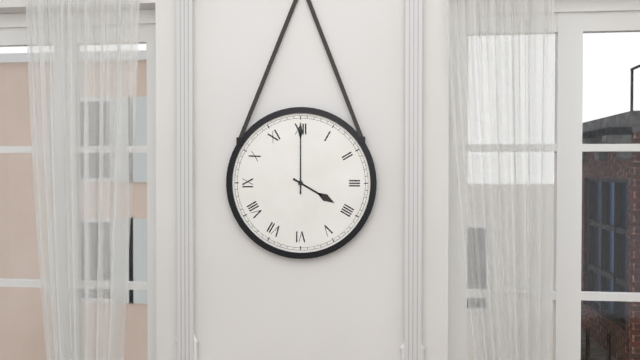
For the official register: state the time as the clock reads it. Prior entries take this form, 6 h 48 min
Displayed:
4 h 00 min
